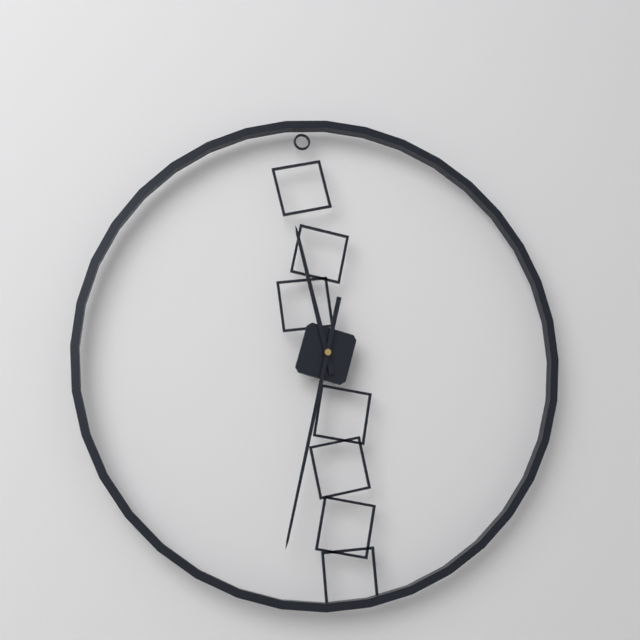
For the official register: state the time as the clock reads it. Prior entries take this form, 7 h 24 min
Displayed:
11 h 32 min
